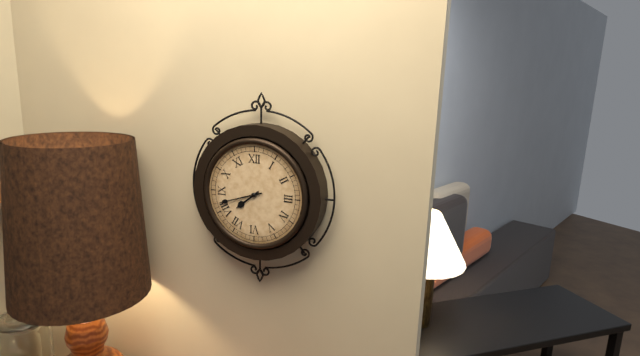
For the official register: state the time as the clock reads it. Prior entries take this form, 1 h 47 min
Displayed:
7 h 42 min
